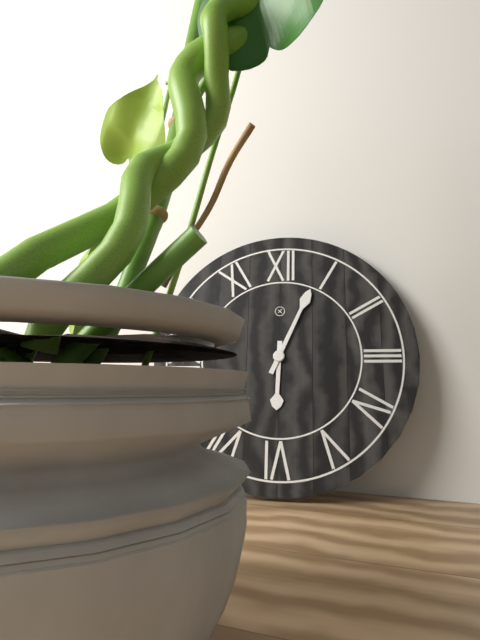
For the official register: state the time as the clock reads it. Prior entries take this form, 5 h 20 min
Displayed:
6 h 04 min
